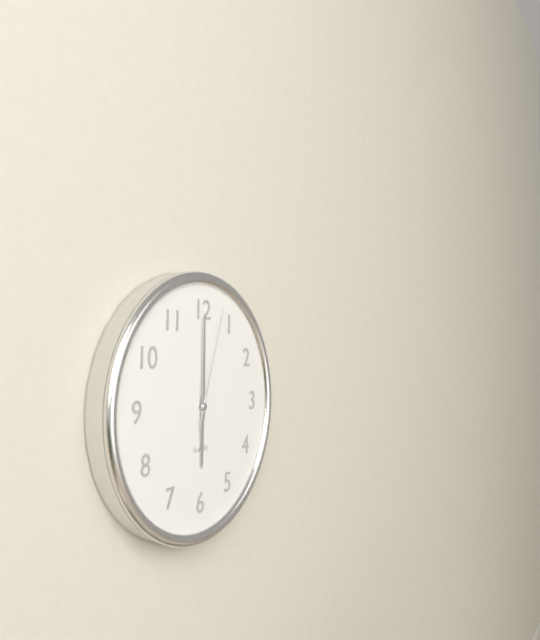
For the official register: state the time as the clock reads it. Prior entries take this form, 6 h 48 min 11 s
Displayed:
6 h 00 min 03 s
